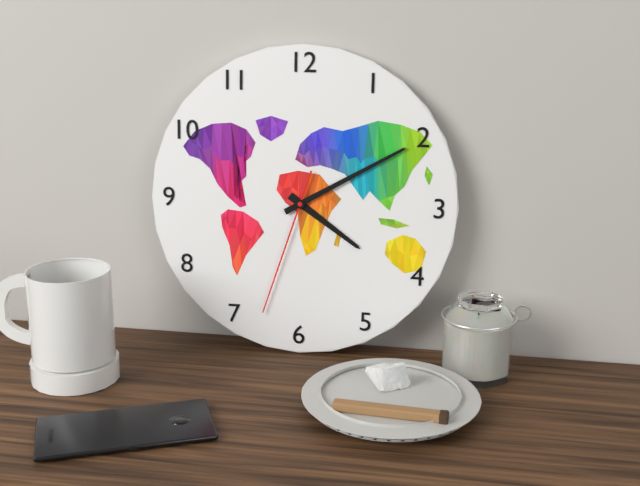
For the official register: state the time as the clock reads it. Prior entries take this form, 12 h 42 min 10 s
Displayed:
4 h 10 min 33 s
